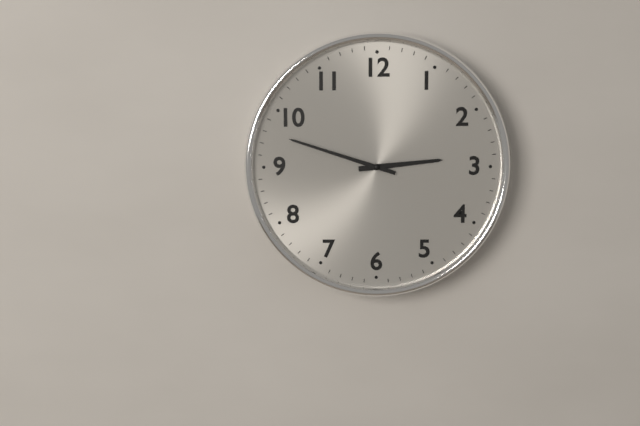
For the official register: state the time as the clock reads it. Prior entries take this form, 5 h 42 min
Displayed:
2 h 48 min
